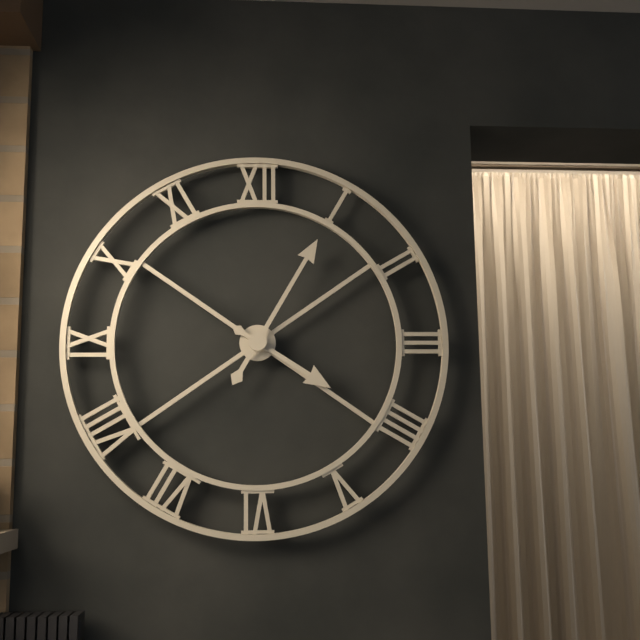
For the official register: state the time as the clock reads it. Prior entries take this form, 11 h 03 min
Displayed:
4 h 05 min
